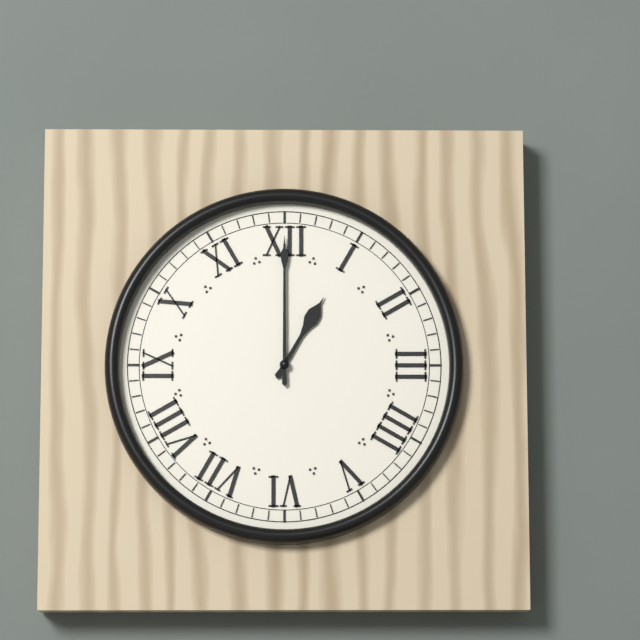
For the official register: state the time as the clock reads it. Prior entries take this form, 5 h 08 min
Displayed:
1 h 00 min
